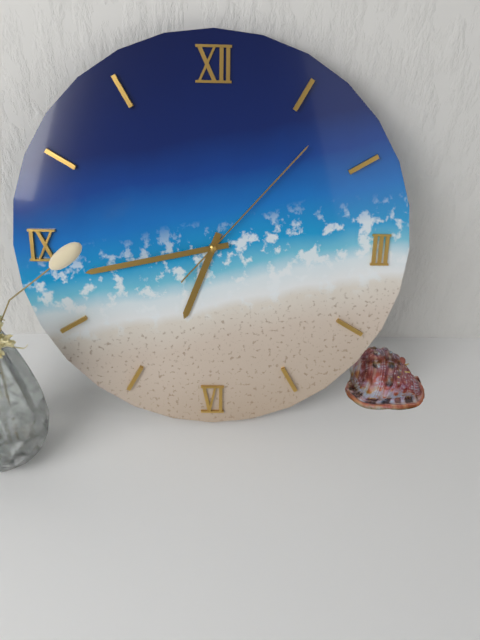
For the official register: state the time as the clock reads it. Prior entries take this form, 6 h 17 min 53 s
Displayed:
6 h 43 min 07 s
